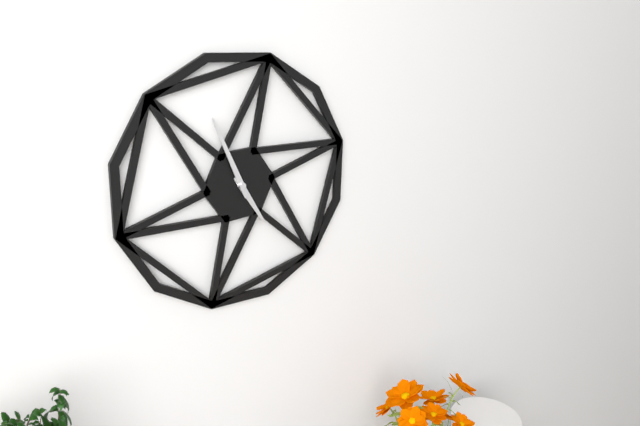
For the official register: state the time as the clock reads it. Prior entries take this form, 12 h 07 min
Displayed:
4 h 56 min
